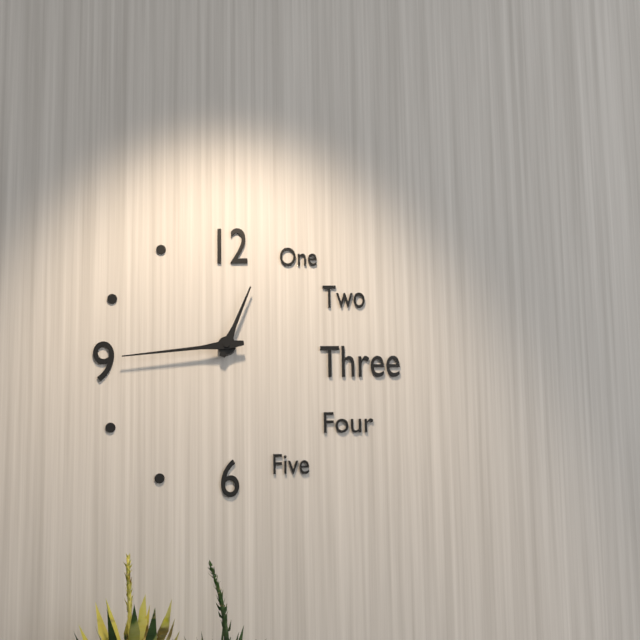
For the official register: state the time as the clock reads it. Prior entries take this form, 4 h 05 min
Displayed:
12 h 44 min
